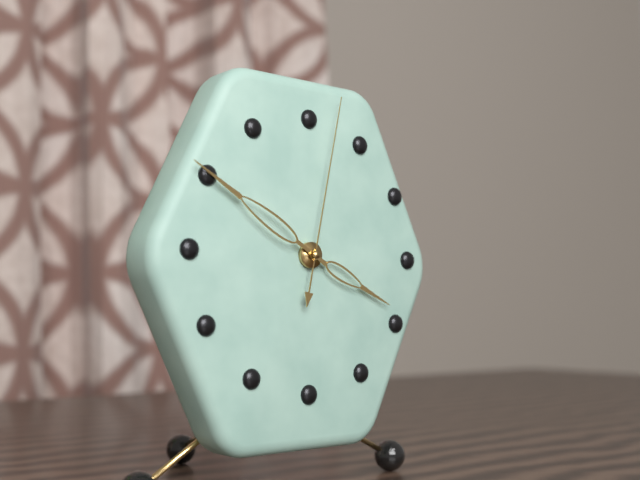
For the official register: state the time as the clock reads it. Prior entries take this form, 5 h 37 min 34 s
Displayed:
3 h 50 min 02 s
